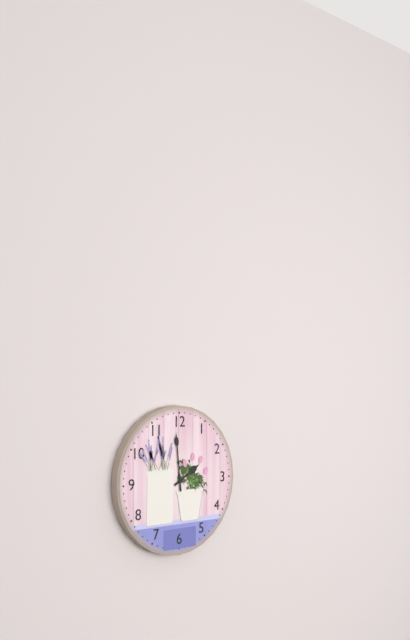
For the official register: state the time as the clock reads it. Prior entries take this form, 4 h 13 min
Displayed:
1 h 59 min
